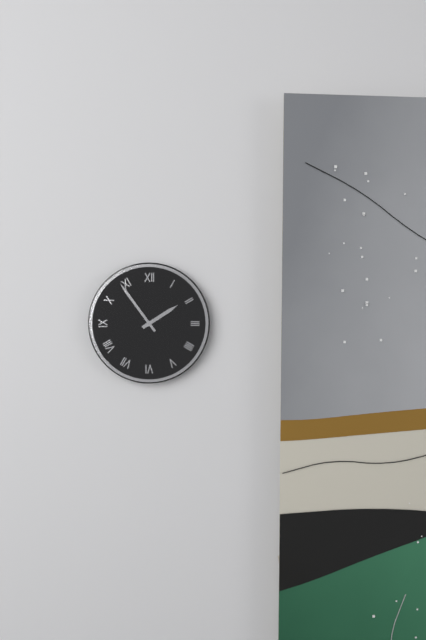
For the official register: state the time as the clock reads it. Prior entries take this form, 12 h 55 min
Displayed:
1 h 54 min
